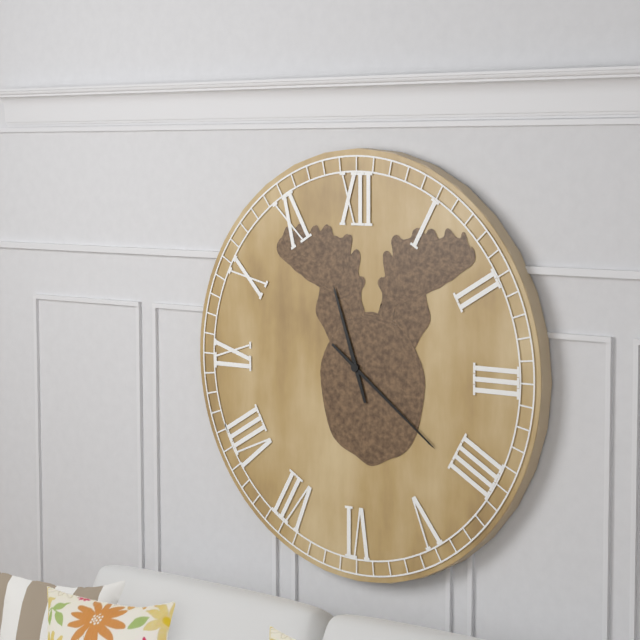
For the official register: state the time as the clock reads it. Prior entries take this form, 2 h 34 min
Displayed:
11 h 21 min
